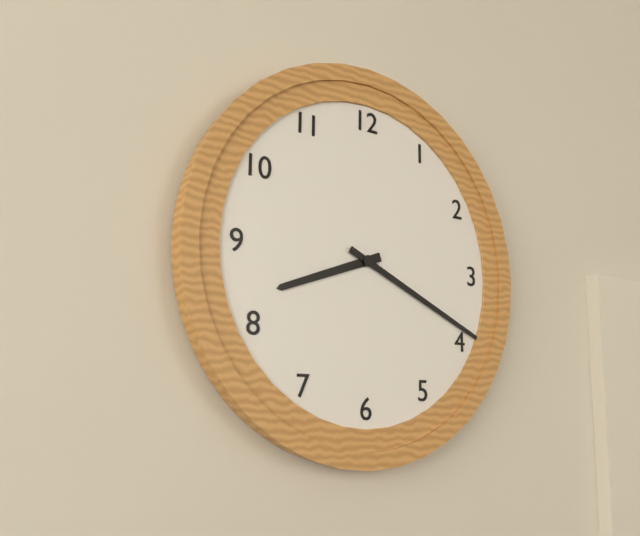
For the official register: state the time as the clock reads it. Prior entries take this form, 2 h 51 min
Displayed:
8 h 19 min
